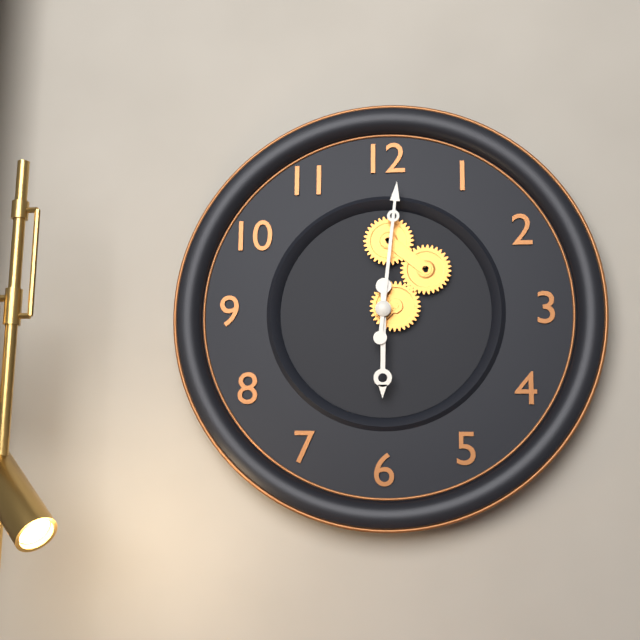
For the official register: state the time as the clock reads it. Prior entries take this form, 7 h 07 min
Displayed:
6 h 01 min
